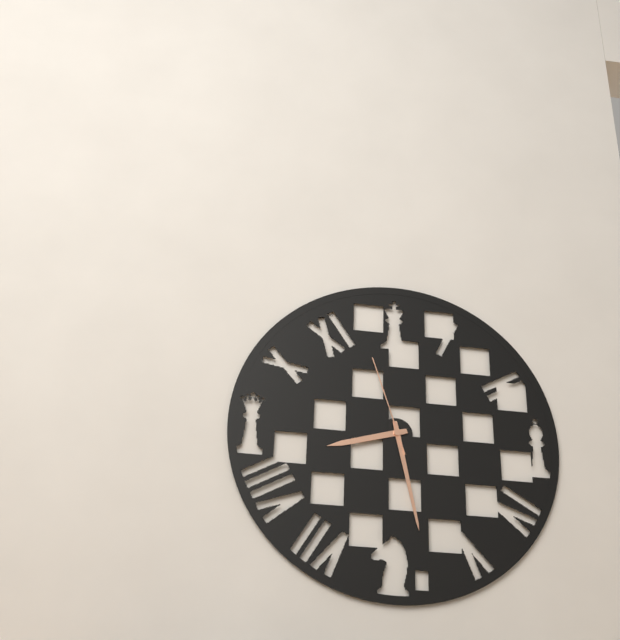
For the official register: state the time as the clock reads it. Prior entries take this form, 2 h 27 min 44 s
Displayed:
8 h 28 min 57 s
